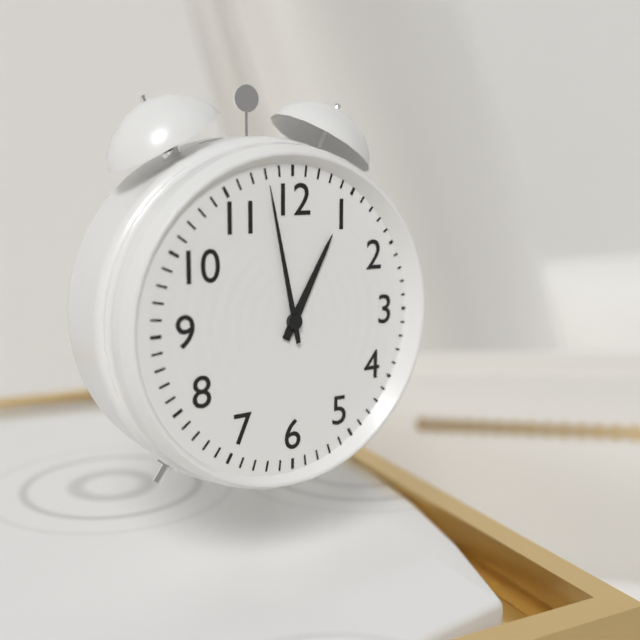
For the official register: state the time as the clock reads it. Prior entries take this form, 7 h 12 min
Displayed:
12 h 58 min
